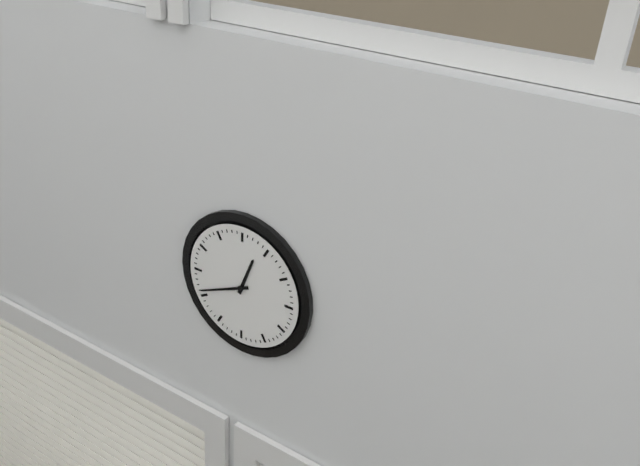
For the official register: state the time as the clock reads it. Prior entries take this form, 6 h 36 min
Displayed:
12 h 41 min
